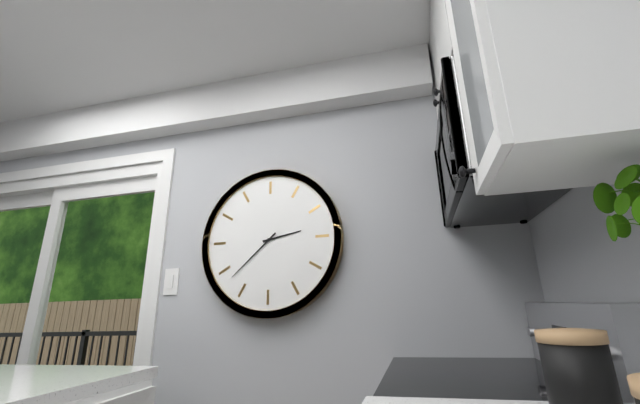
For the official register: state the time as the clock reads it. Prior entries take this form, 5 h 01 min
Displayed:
2 h 38 min
